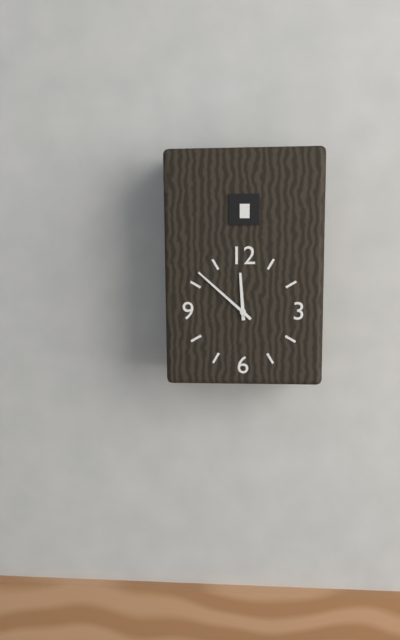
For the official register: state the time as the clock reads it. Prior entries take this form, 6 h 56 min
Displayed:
11 h 52 min
